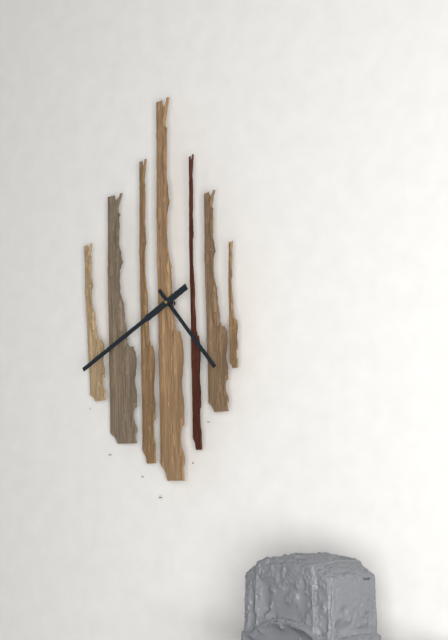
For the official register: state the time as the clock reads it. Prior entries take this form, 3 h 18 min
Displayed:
4 h 40 min
